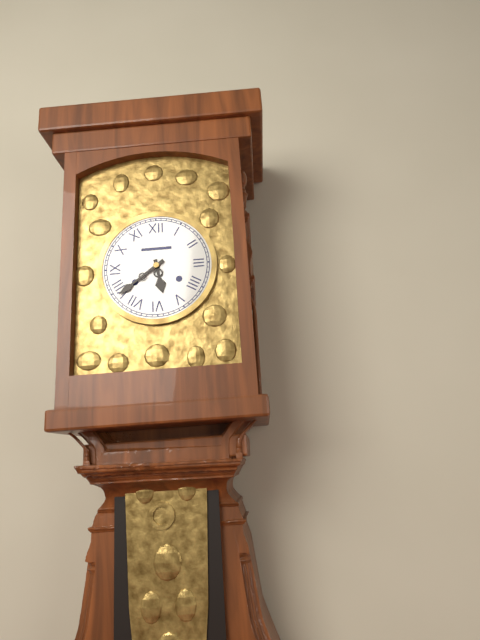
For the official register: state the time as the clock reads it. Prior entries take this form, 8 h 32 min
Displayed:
5 h 39 min
